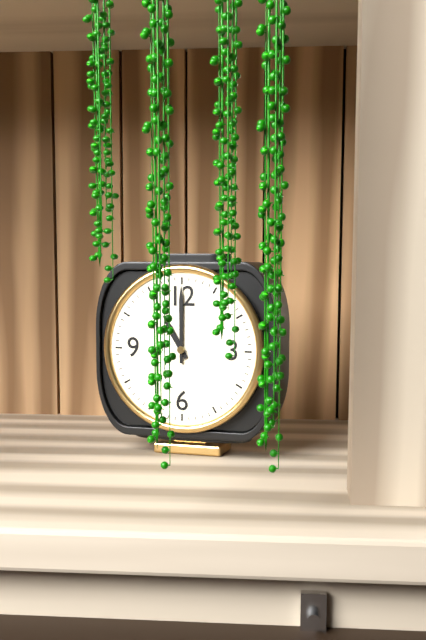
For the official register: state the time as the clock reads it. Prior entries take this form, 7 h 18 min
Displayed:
11 h 00 min
